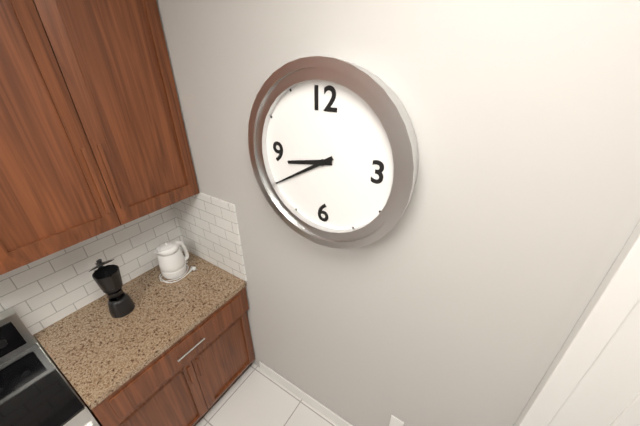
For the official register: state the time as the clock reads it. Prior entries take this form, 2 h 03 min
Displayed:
8 h 40 min
